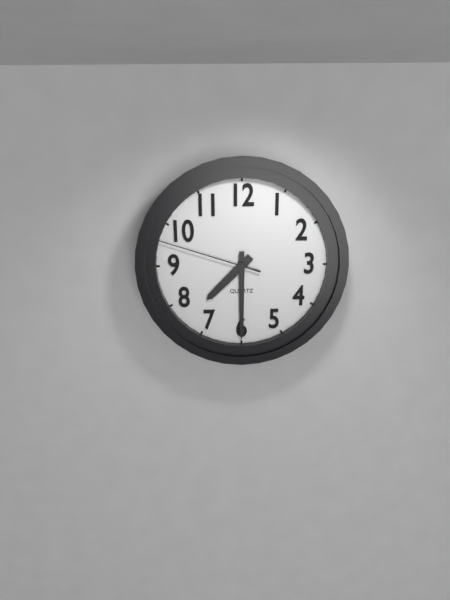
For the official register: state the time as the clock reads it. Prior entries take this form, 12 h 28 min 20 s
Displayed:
7 h 30 min 48 s
